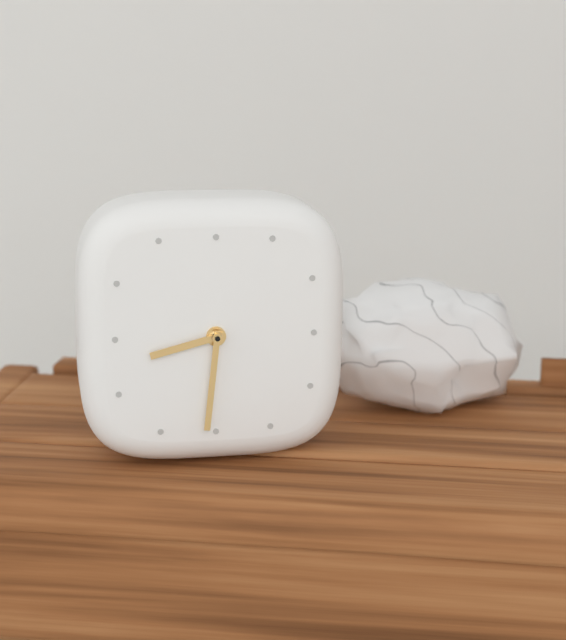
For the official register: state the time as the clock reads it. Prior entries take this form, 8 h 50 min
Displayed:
8 h 31 min
